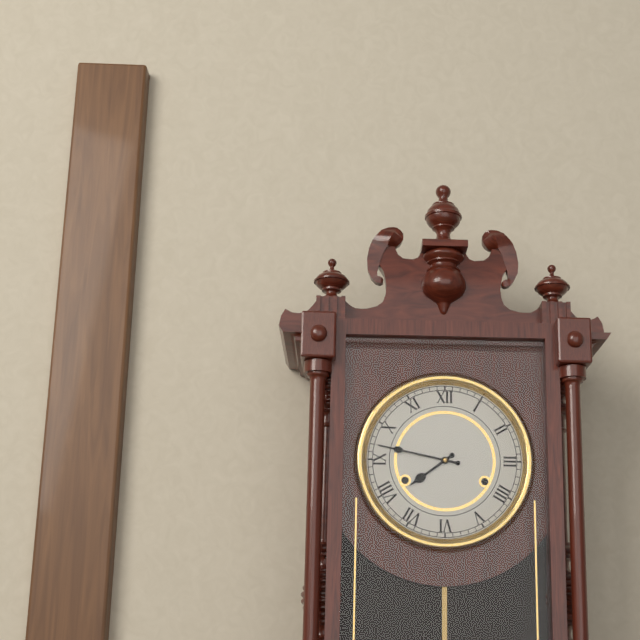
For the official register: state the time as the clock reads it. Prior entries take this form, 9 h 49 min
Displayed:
7 h 47 min
